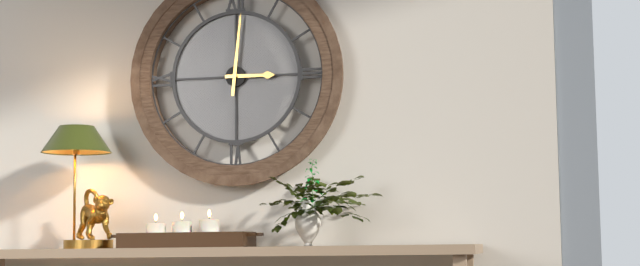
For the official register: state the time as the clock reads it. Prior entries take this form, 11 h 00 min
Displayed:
3 h 01 min
